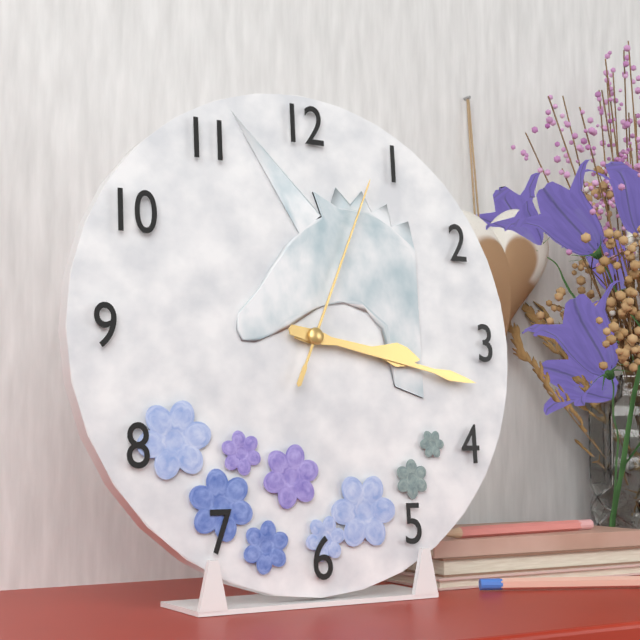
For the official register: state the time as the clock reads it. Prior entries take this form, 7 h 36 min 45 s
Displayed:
3 h 17 min 04 s
